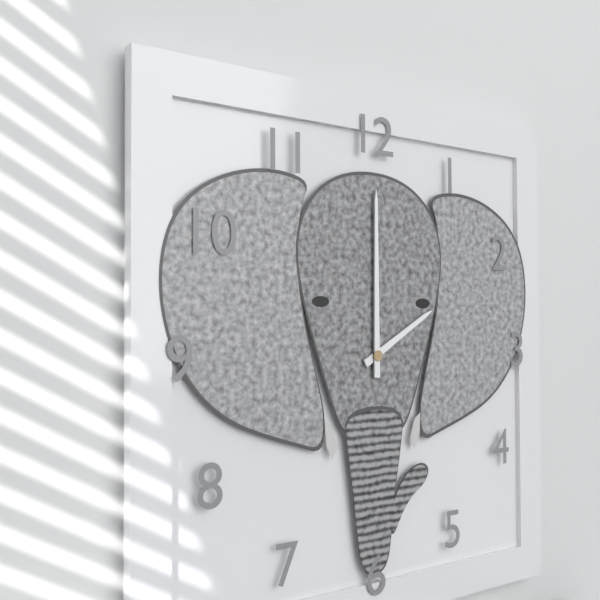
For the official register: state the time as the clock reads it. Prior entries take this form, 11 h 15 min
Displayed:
2 h 00 min
